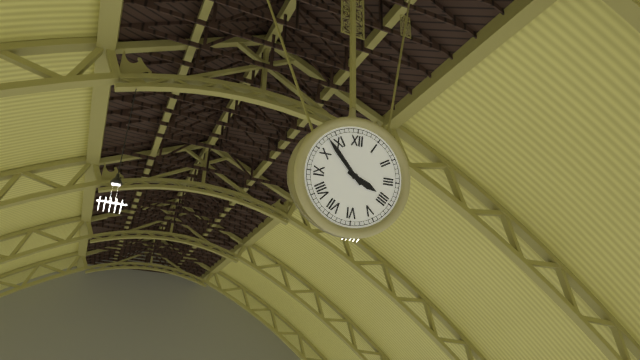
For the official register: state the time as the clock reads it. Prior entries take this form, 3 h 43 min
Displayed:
3 h 53 min
